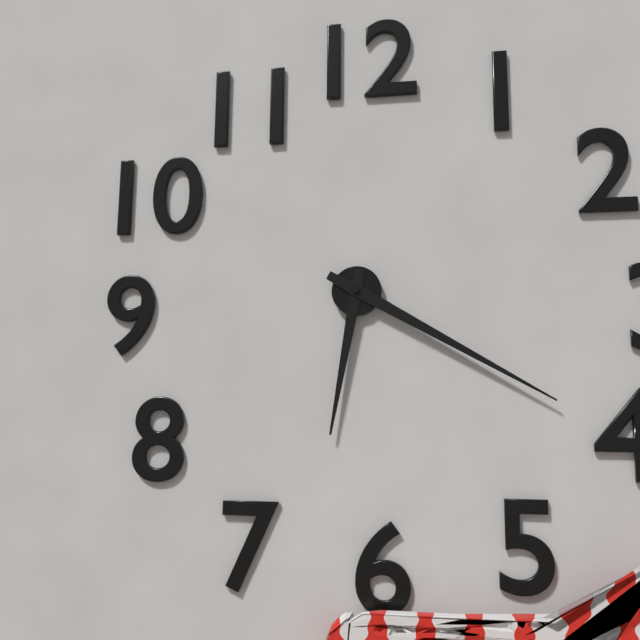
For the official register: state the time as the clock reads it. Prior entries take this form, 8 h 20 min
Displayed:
6 h 20 min
